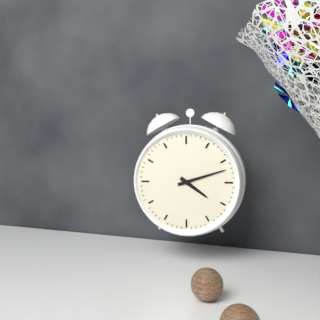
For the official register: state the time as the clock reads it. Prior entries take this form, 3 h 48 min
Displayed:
4 h 12 min
